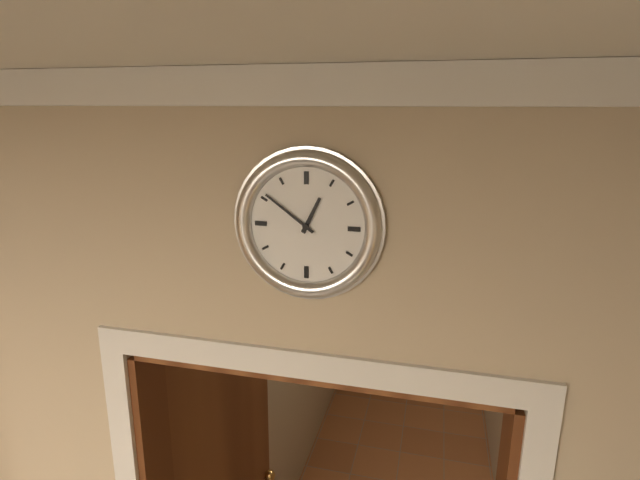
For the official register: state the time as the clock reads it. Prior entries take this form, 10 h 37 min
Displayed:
12 h 51 min
